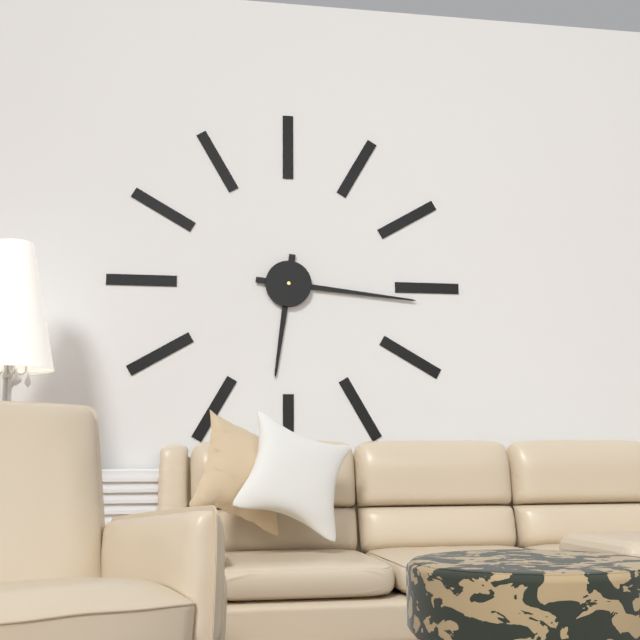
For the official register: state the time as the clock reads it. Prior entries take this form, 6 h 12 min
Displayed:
6 h 16 min
